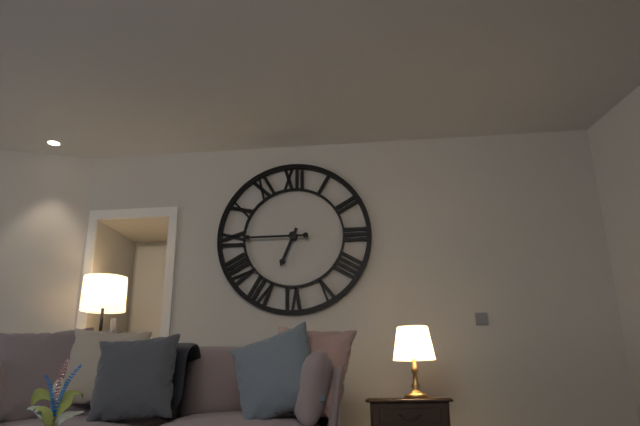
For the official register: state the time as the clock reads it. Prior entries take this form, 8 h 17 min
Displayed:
6 h 45 min
